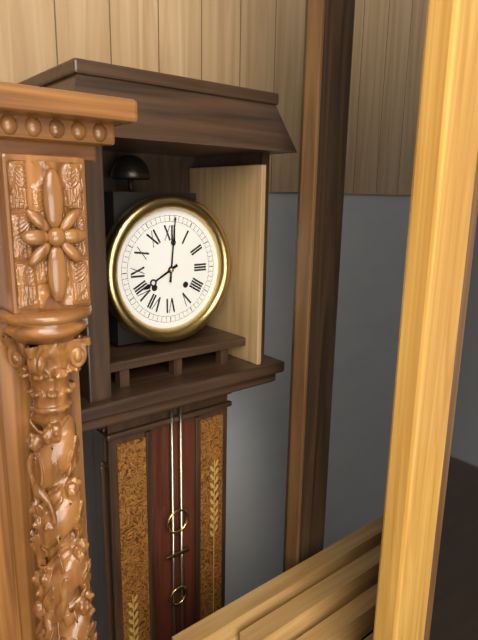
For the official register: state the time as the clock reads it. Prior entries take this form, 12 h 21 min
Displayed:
8 h 01 min
